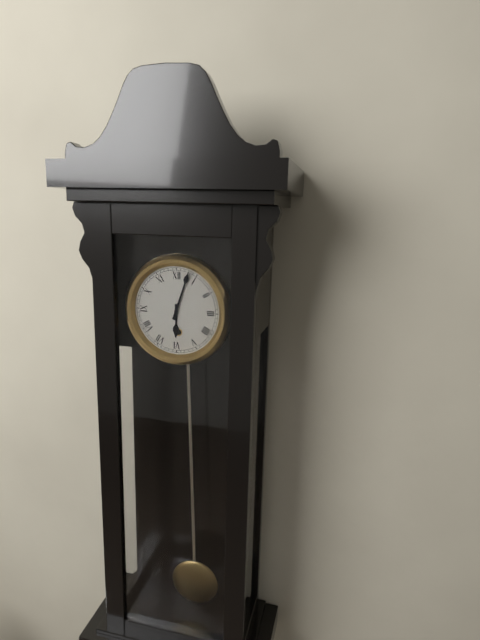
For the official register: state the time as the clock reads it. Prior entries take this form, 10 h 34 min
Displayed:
6 h 03 min
